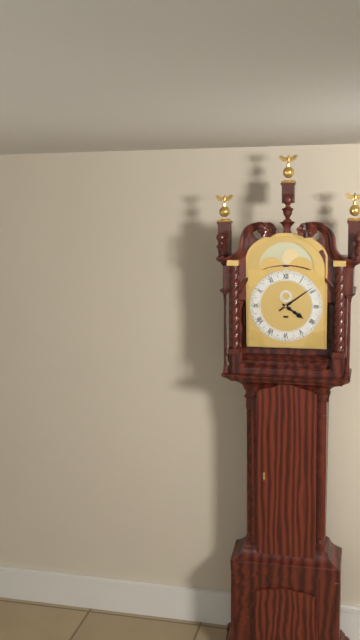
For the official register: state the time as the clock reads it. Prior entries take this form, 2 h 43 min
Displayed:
4 h 09 min
